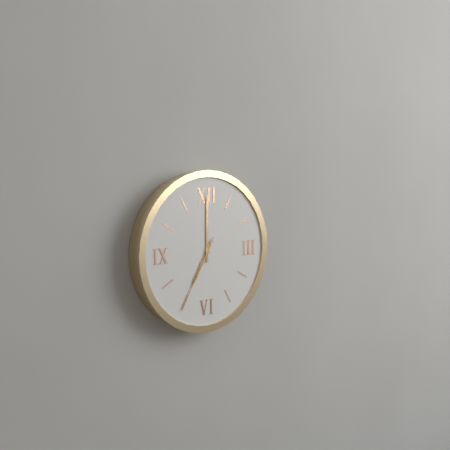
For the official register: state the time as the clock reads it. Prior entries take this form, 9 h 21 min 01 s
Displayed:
7 h 00 min 35 s
